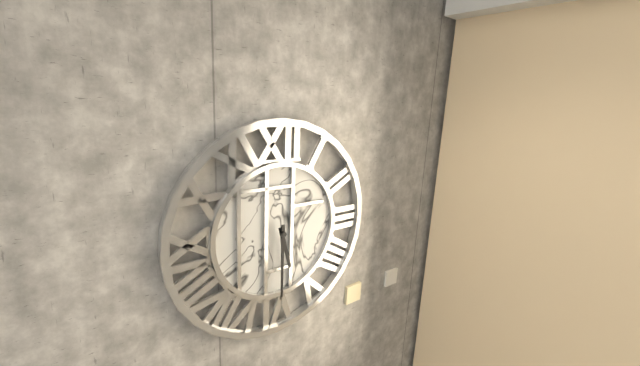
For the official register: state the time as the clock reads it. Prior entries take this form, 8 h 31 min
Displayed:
5 h 30 min
